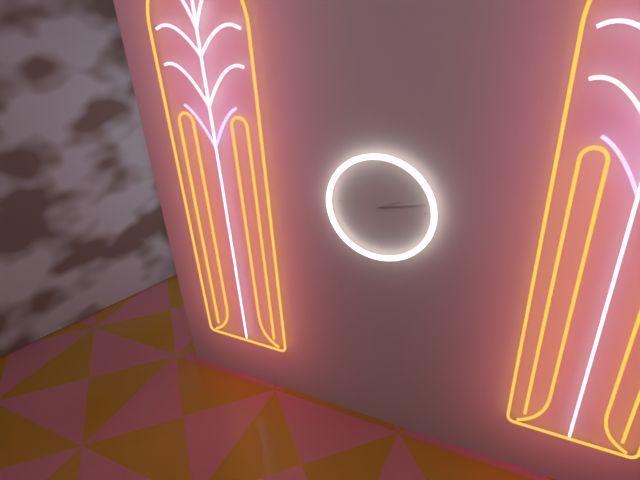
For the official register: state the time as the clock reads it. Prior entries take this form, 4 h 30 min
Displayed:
2 h 13 min
